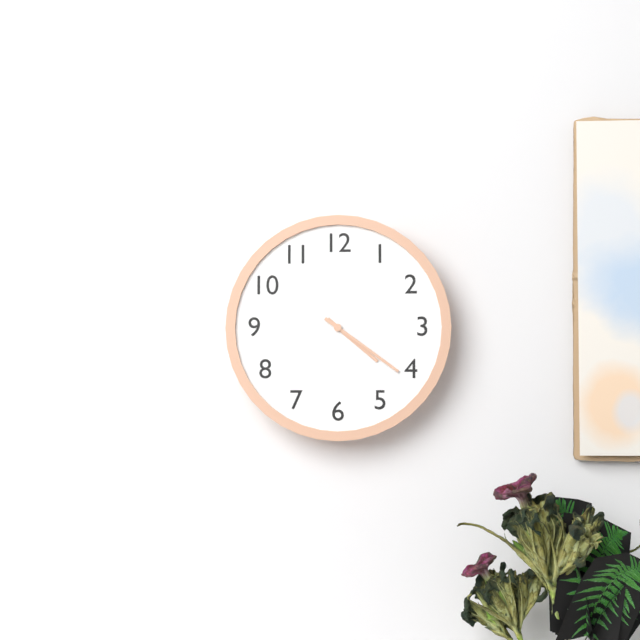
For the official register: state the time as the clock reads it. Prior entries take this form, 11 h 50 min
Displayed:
4 h 21 min
